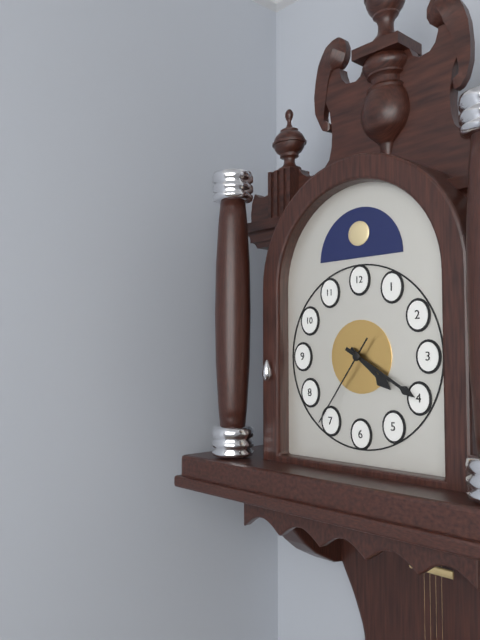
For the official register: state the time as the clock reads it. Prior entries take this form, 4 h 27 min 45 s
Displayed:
4 h 20 min 36 s
